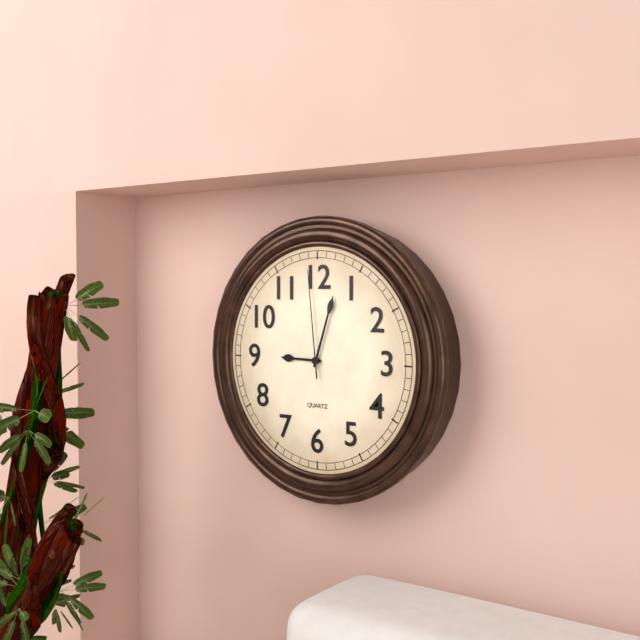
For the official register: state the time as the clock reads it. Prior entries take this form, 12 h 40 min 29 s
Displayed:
9 h 03 min 59 s
